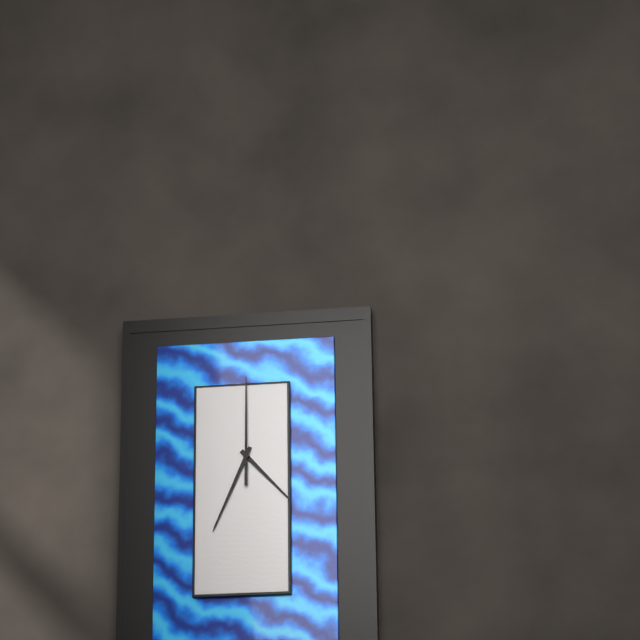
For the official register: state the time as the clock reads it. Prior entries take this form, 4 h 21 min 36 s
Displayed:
4 h 34 min 00 s
